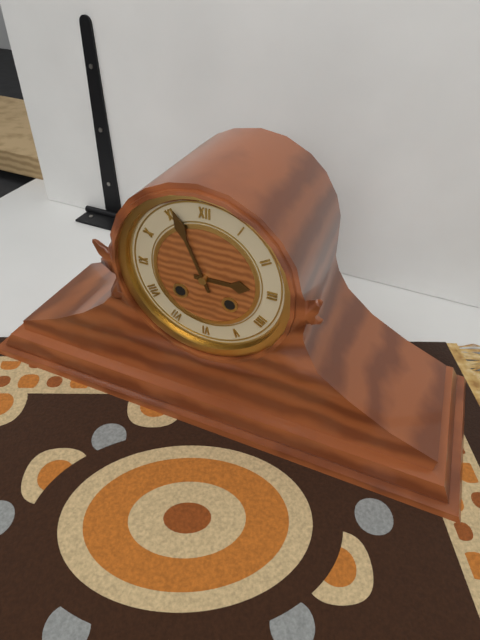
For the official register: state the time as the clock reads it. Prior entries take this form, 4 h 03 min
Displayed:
2 h 56 min
